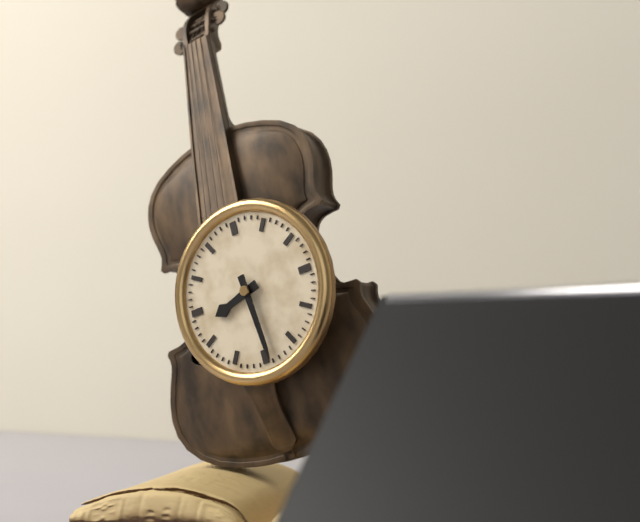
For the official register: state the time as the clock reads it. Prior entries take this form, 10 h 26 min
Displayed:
8 h 29 min
